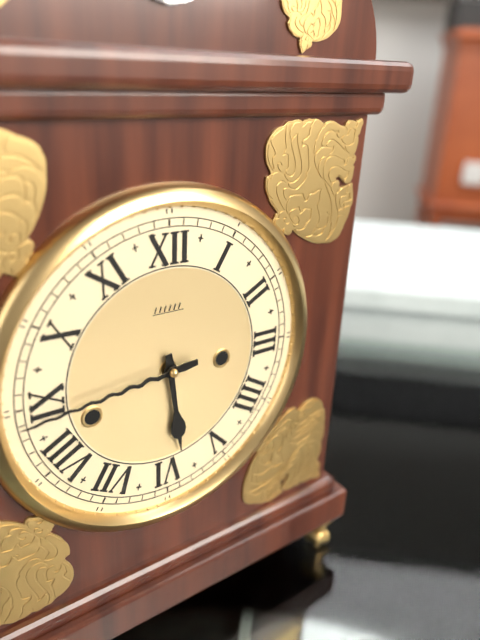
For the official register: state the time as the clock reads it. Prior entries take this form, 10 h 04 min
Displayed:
5 h 44 min
